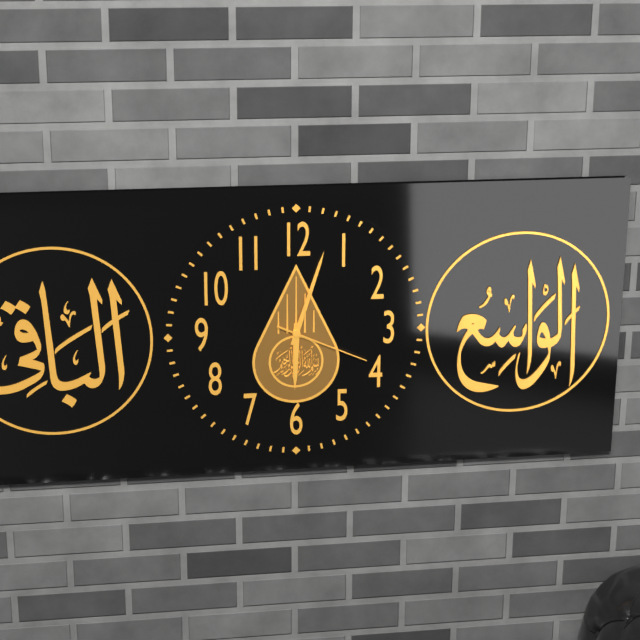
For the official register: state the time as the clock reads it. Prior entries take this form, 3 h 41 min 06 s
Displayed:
6 h 03 min 19 s
